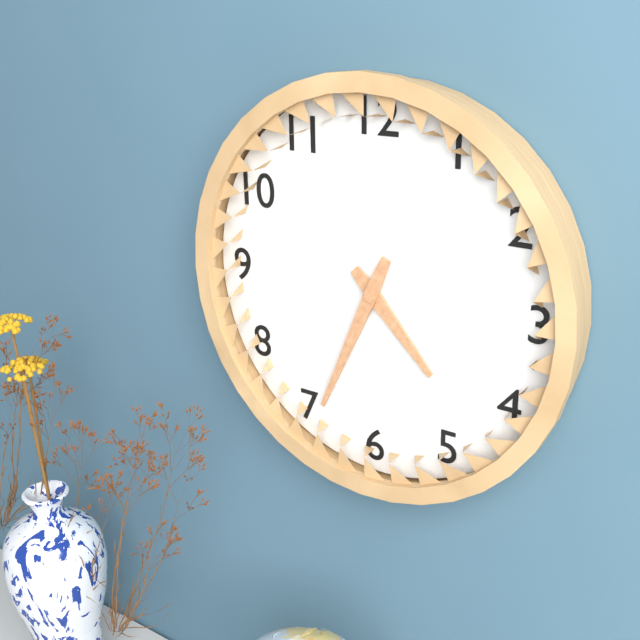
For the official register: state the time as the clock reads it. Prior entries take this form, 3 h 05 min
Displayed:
4 h 34 min
